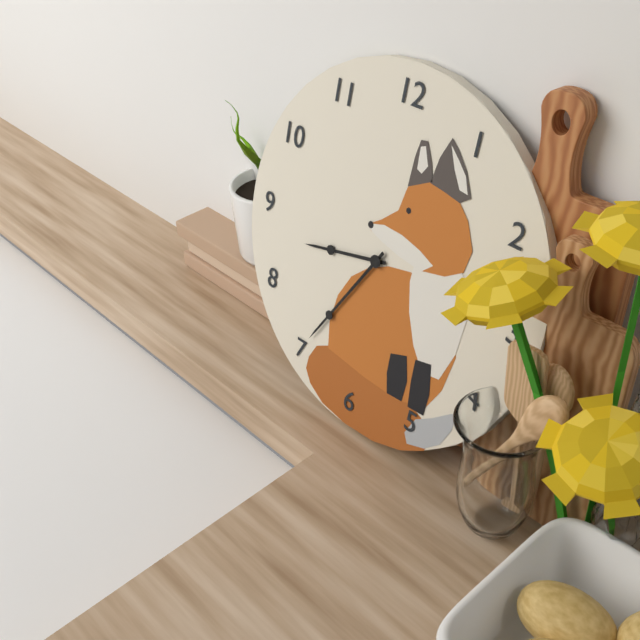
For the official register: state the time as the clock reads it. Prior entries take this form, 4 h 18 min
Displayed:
8 h 35 min
